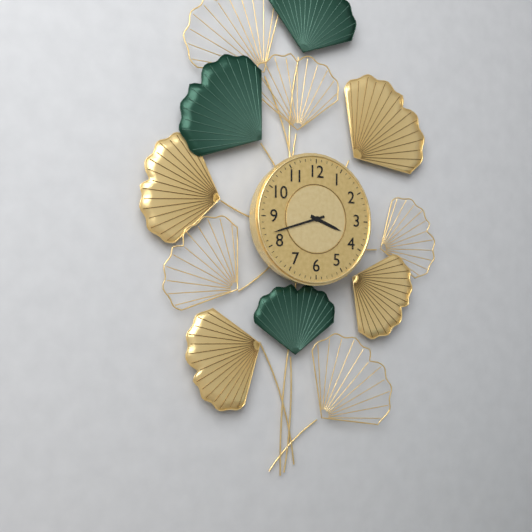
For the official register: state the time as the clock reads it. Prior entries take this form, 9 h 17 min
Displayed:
3 h 42 min
